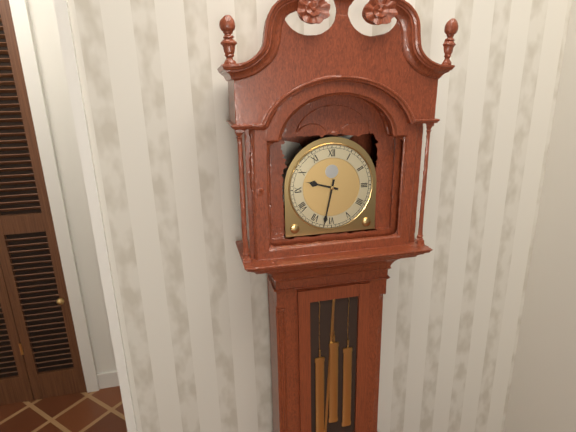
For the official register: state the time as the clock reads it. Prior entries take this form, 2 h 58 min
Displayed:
9 h 32 min
